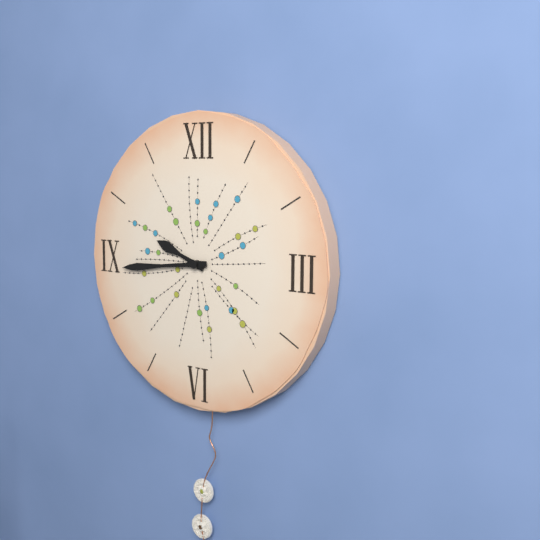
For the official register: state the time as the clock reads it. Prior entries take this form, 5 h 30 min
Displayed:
9 h 44 min
